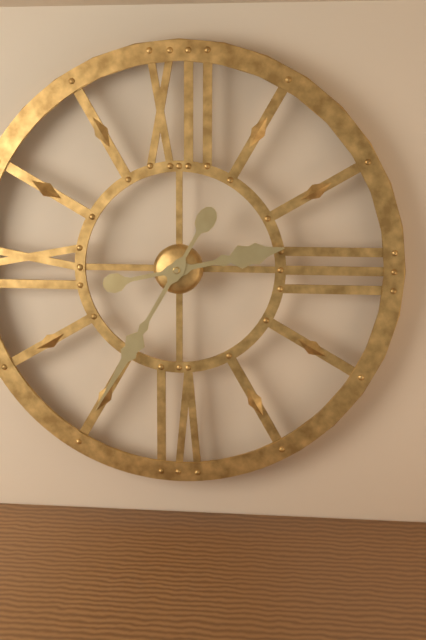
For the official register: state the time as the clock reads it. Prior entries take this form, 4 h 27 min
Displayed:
2 h 35 min
